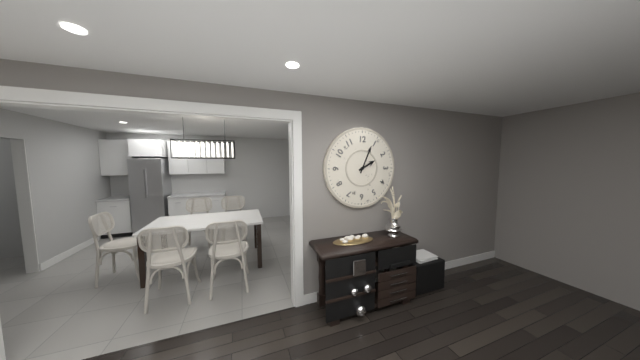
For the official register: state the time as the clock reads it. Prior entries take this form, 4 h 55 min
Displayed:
2 h 04 min
